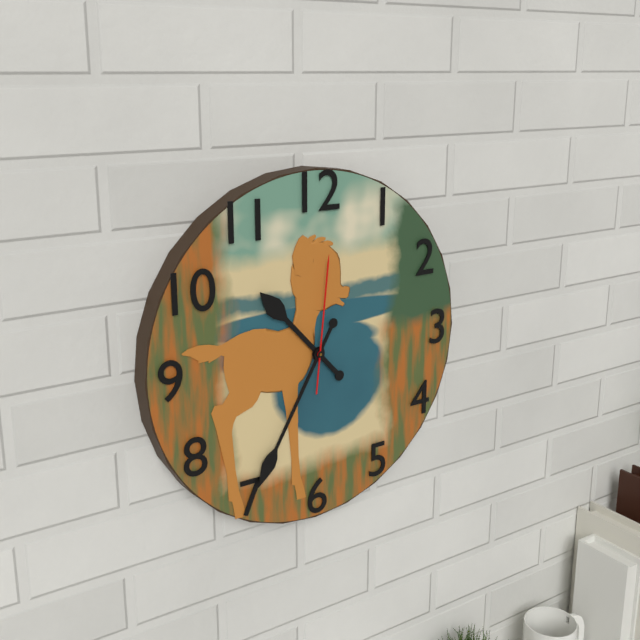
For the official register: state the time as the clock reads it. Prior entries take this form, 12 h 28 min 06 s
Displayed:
10 h 35 min 01 s
